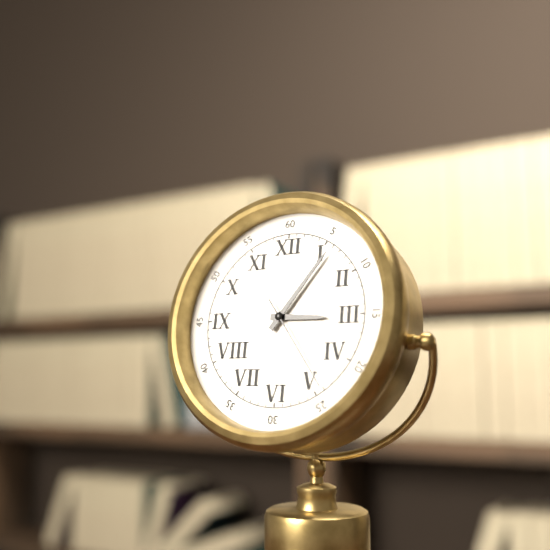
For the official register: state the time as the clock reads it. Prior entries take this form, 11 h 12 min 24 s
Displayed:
3 h 06 min 24 s
